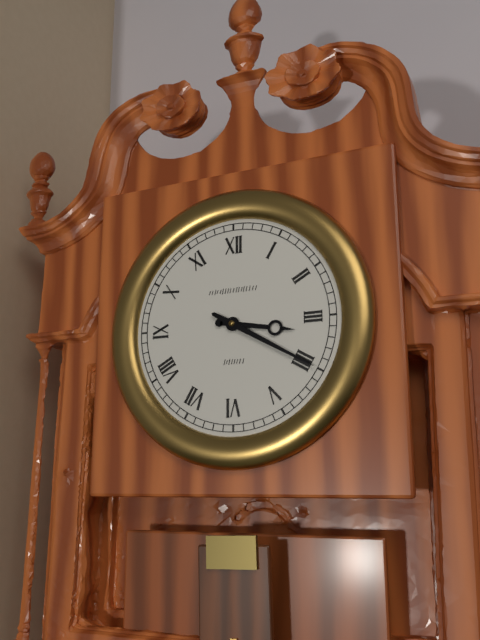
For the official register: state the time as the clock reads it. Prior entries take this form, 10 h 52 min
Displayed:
3 h 20 min
